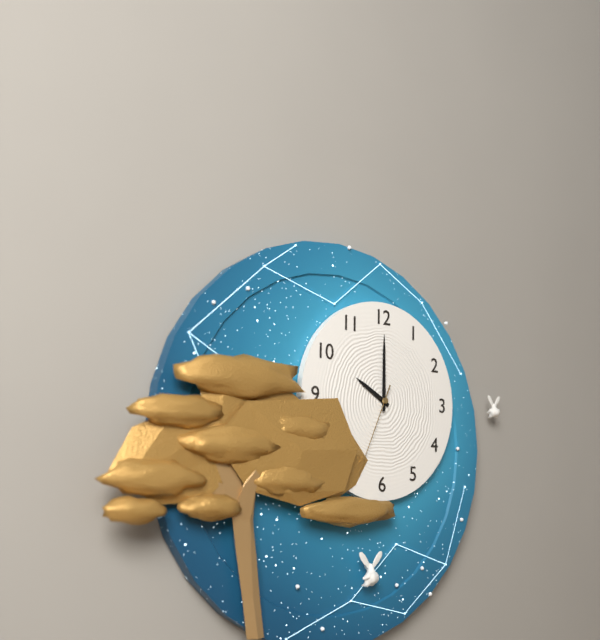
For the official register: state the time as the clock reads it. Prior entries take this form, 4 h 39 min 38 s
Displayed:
10 h 00 min 34 s
